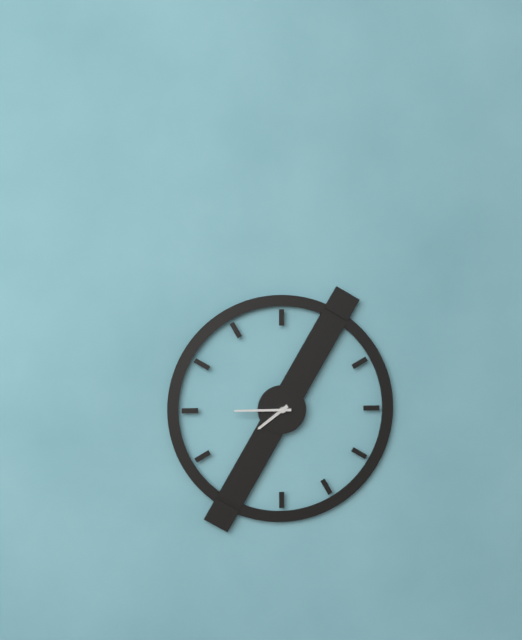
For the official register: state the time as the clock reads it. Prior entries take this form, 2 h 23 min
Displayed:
7 h 45 min
